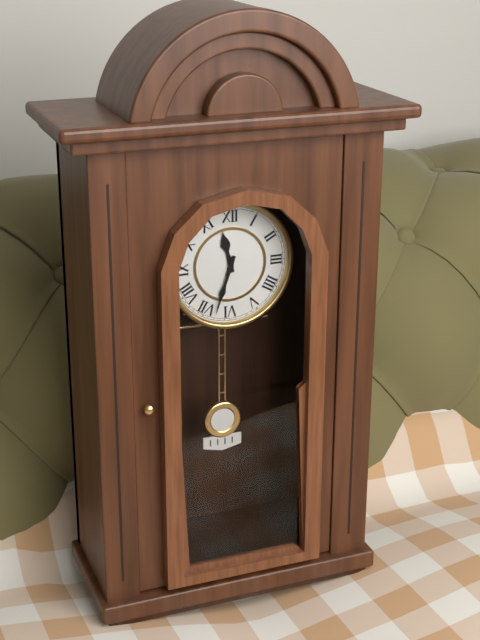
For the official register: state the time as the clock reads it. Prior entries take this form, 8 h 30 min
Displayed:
11 h 33 min
